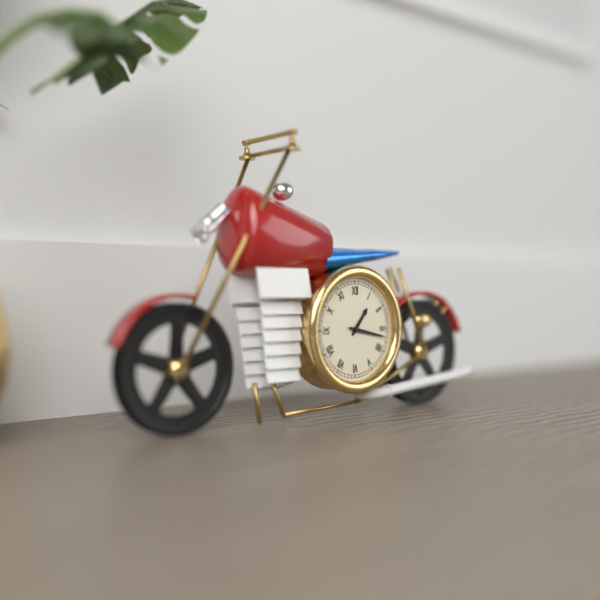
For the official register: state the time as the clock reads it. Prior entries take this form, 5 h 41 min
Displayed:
1 h 17 min
